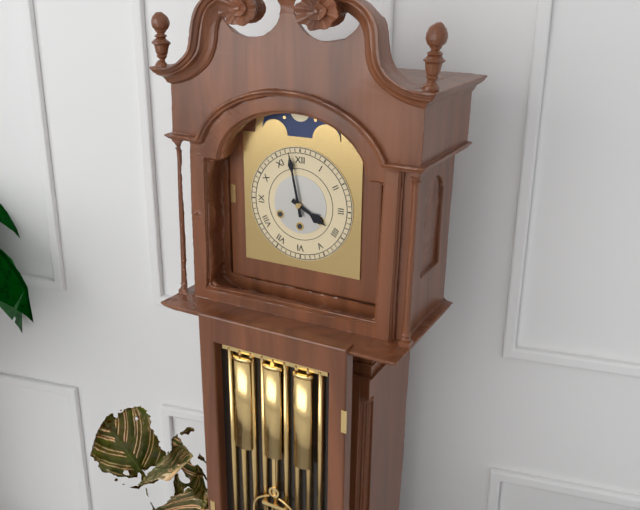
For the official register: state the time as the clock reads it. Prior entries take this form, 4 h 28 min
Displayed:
3 h 58 min
